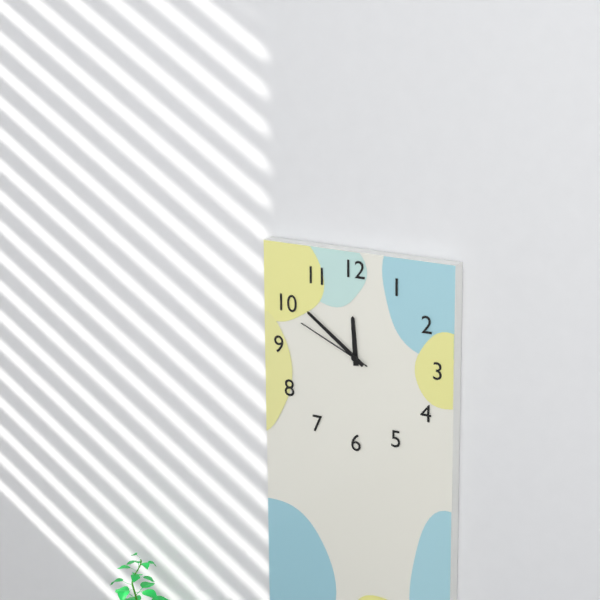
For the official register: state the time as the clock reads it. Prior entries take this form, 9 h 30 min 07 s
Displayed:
11 h 51 min 49 s
